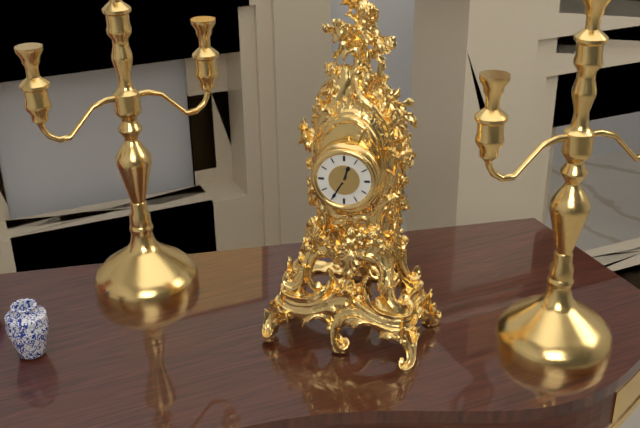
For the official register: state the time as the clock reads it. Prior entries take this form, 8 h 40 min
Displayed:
12 h 35 min
